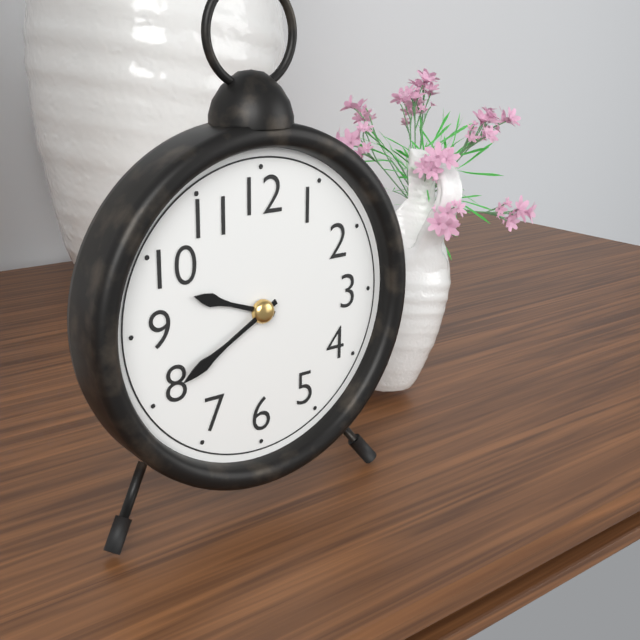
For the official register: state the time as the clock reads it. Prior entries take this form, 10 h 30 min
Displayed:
9 h 40 min
